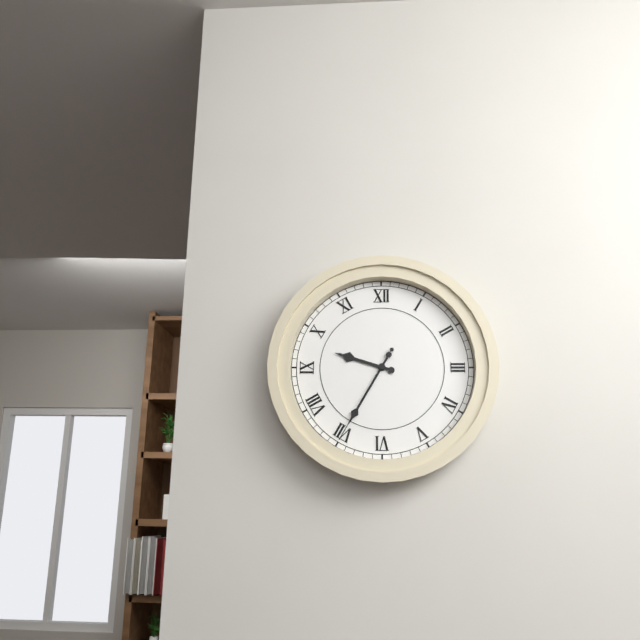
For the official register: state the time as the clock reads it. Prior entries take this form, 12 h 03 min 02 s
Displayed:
9 h 35 min 35 s
